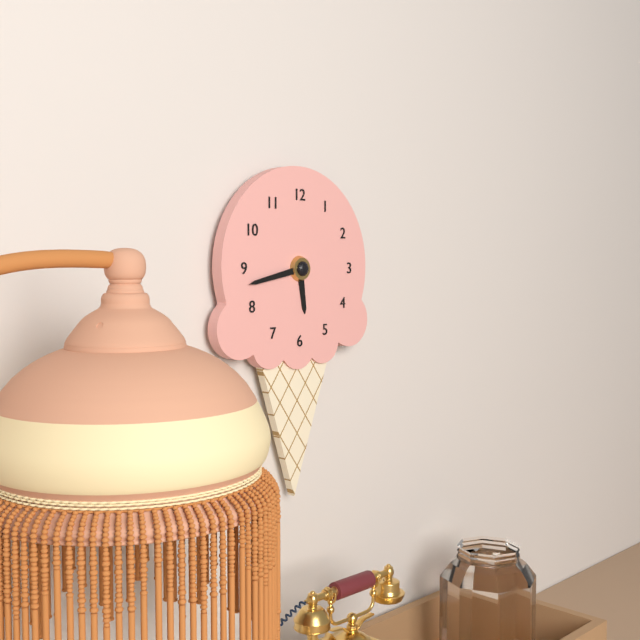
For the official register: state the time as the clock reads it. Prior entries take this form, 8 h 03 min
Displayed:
5 h 43 min
